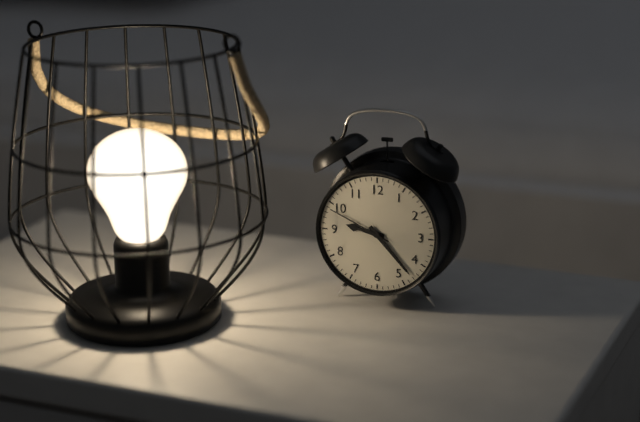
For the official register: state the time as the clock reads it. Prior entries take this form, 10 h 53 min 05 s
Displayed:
9 h 23 min 49 s
